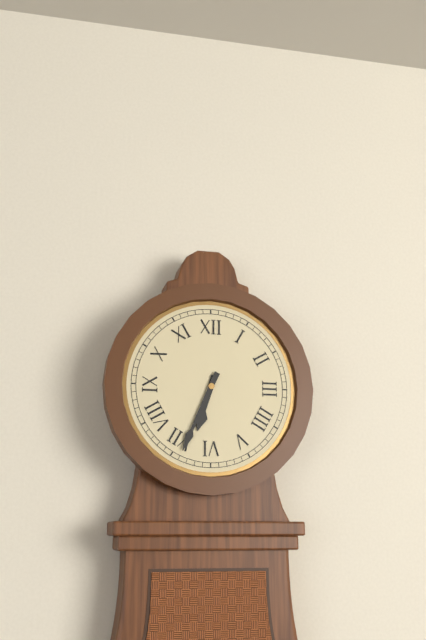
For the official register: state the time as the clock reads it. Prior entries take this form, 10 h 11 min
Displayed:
6 h 34 min
